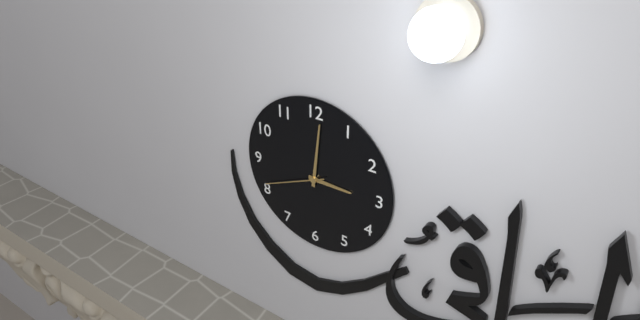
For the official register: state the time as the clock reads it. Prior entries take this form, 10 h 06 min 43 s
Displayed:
3 h 01 min 41 s
